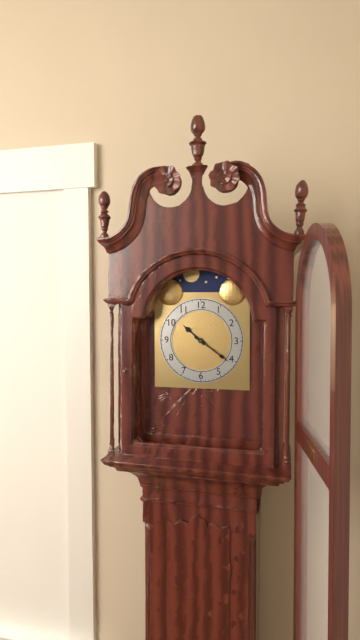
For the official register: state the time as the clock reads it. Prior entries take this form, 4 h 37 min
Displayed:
10 h 21 min
